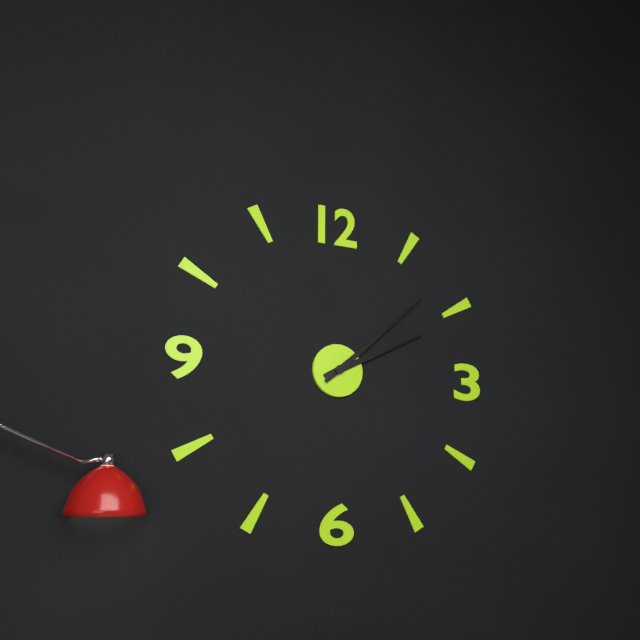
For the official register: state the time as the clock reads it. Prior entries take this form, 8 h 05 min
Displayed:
2 h 08 min
